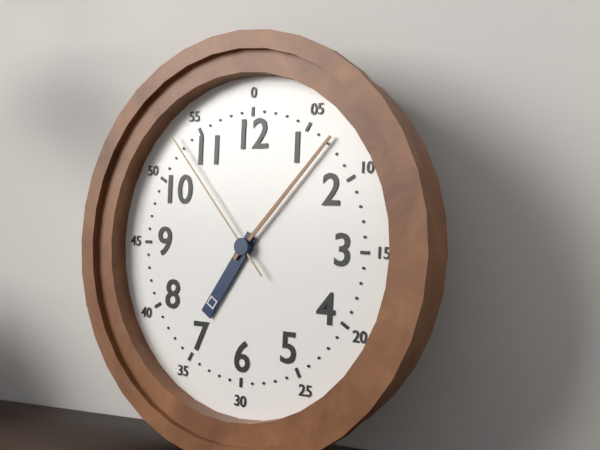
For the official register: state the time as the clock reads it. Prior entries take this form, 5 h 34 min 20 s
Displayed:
7 h 07 min 53 s
